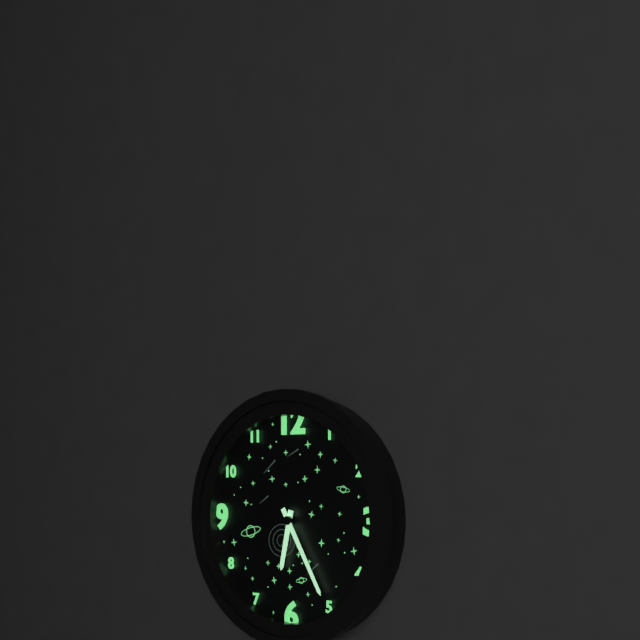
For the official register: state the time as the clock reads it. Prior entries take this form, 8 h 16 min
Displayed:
6 h 25 min
